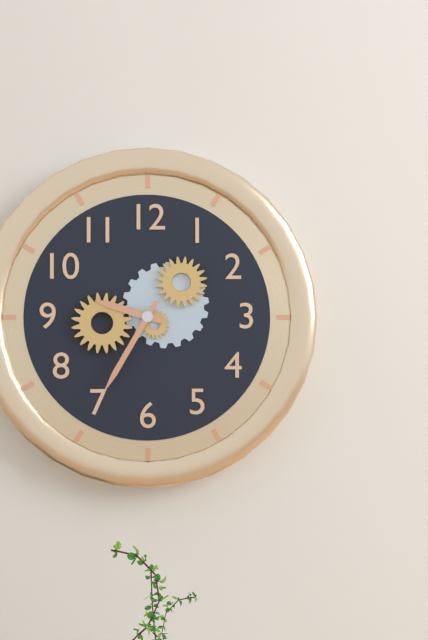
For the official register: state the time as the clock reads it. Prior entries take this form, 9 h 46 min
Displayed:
9 h 35 min
